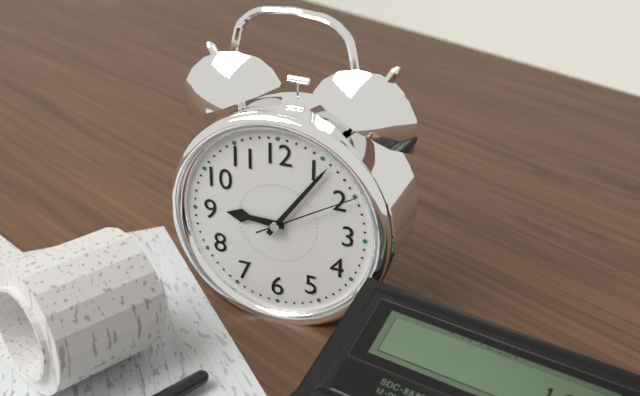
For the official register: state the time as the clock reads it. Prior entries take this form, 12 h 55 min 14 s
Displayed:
9 h 06 min 10 s
